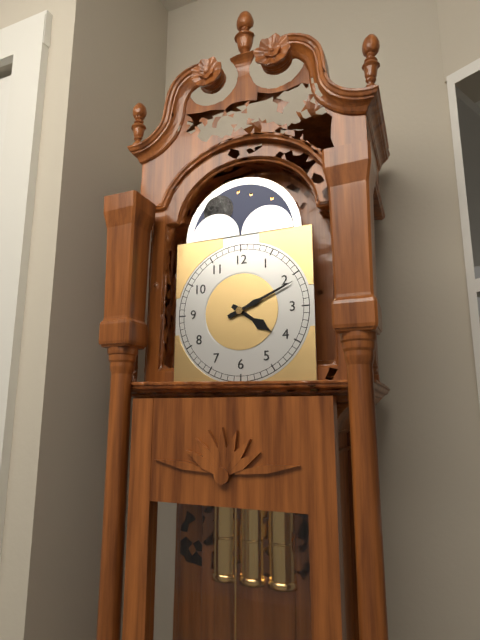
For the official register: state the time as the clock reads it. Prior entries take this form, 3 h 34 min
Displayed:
4 h 11 min
